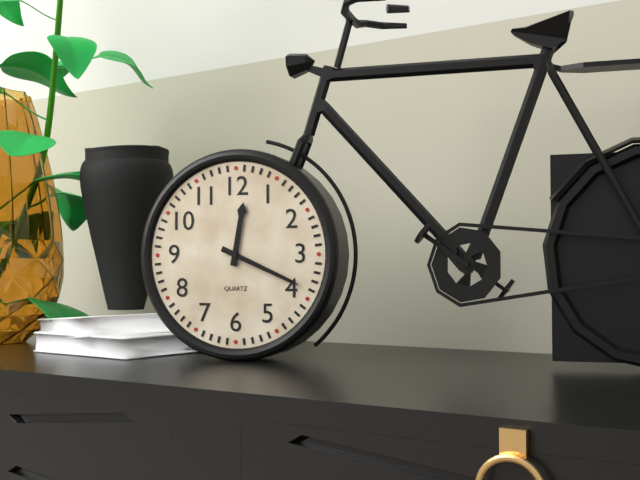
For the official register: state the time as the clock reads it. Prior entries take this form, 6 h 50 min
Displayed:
12 h 19 min
